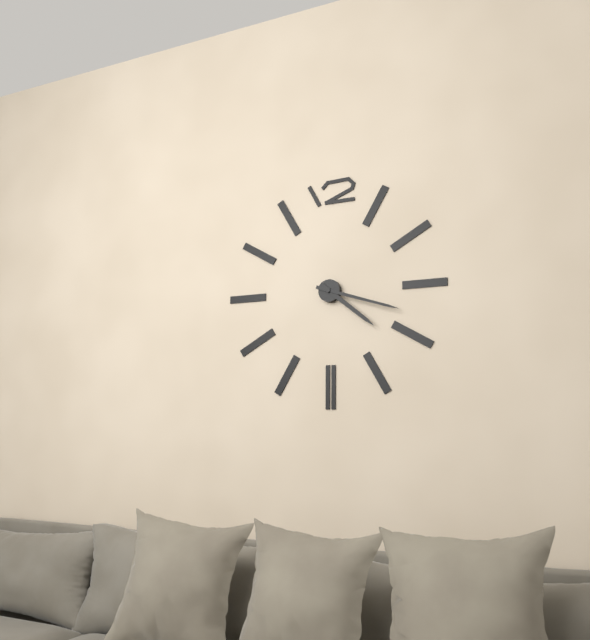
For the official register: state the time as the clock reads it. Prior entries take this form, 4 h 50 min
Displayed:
4 h 18 min
